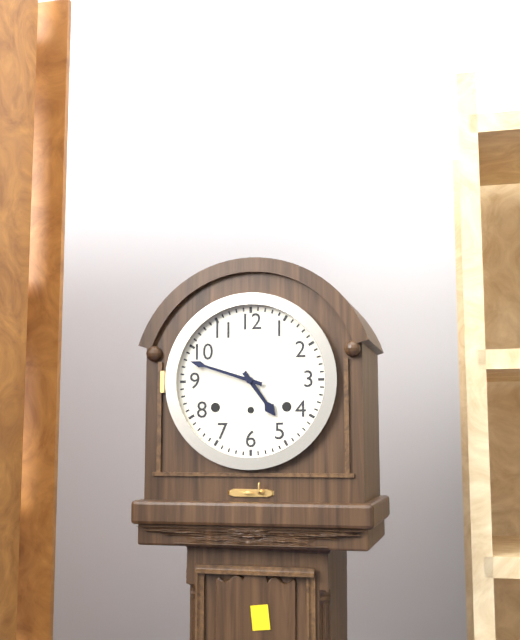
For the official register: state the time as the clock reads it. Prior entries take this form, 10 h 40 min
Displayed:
4 h 48 min
